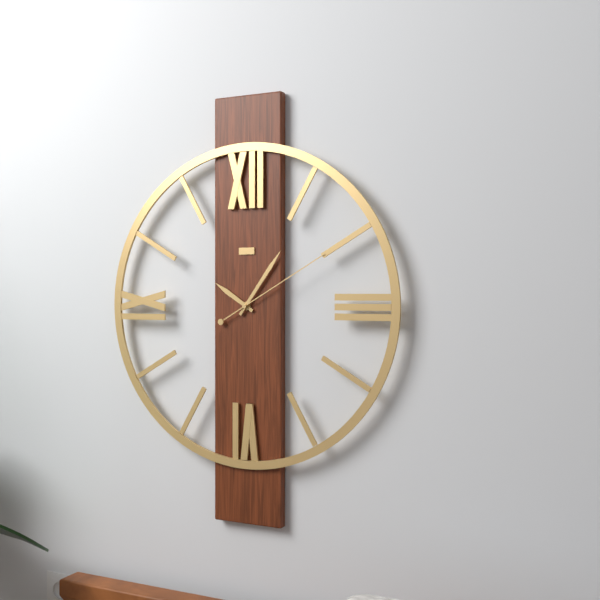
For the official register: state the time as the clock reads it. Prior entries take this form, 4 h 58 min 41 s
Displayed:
10 h 06 min 10 s
